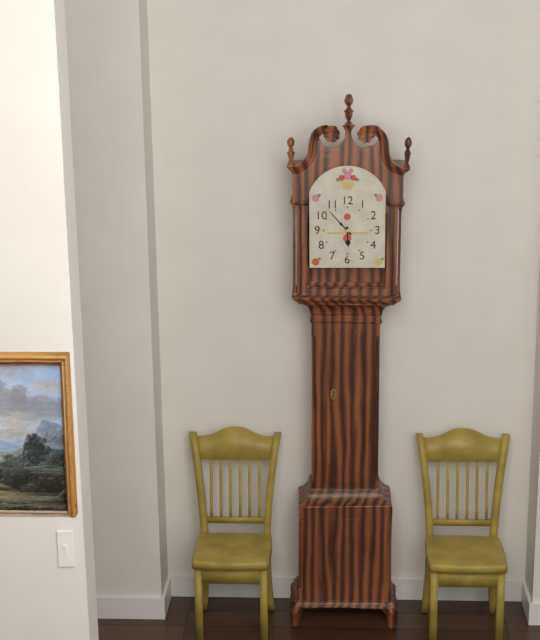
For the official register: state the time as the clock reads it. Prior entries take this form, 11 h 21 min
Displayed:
5 h 53 min
